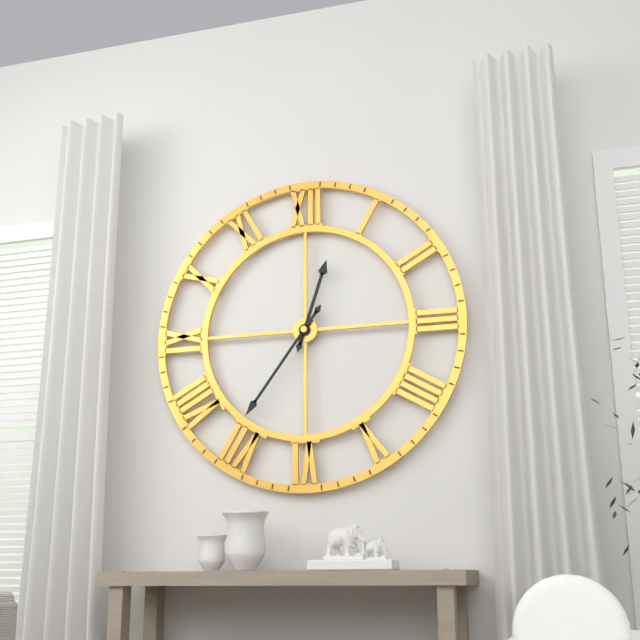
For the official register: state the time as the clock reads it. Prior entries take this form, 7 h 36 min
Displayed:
12 h 36 min
